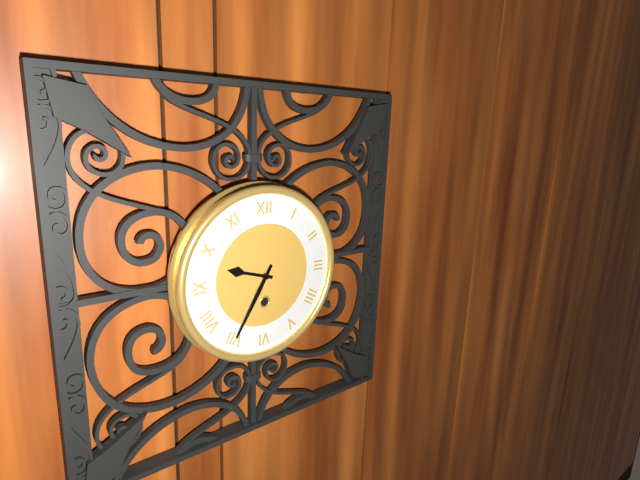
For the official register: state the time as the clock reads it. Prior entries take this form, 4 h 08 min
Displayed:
9 h 35 min
